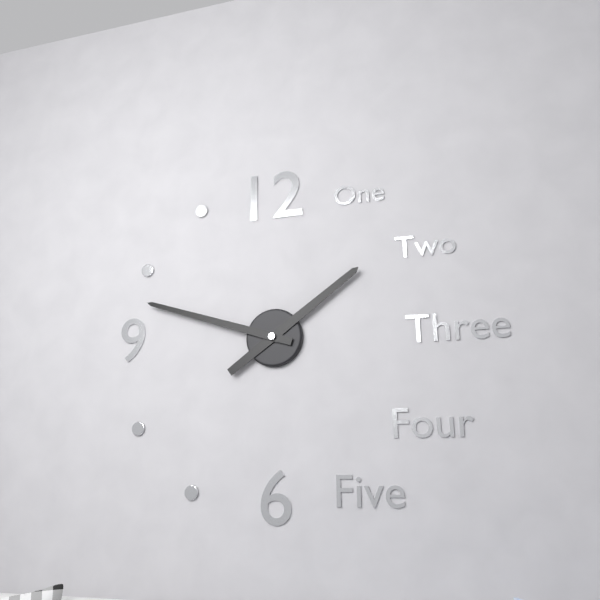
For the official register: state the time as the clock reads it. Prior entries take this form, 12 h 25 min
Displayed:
1 h 48 min
